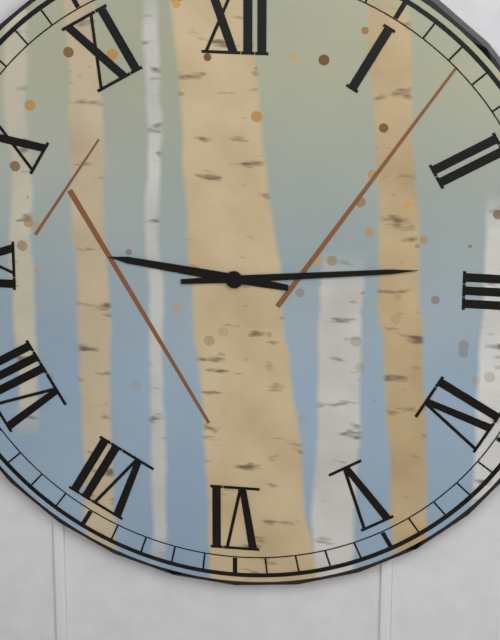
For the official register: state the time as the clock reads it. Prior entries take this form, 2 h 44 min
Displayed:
9 h 14 min
